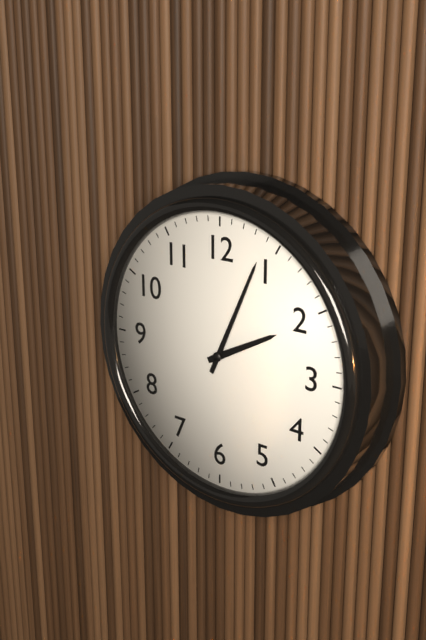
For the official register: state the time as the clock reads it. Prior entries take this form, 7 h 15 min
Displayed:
2 h 04 min
